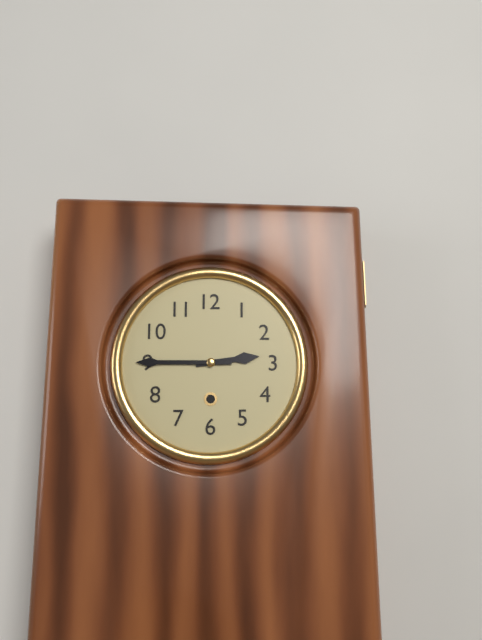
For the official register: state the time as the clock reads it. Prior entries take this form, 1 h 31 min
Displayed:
2 h 45 min
